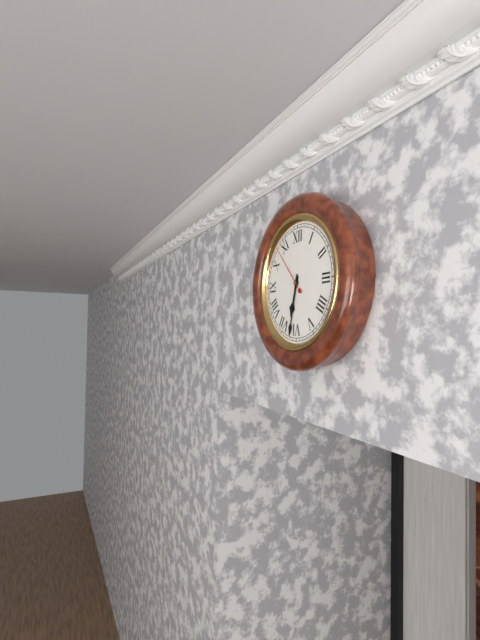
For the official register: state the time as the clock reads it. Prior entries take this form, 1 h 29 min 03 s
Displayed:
6 h 32 min 53 s
